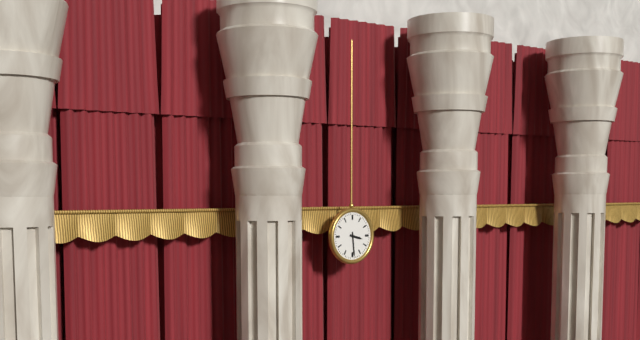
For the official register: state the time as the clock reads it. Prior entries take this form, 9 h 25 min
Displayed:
3 h 29 min
